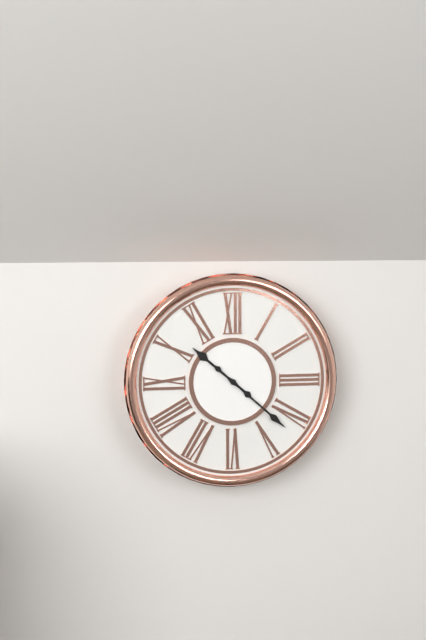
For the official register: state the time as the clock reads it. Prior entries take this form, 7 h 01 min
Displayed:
10 h 22 min
